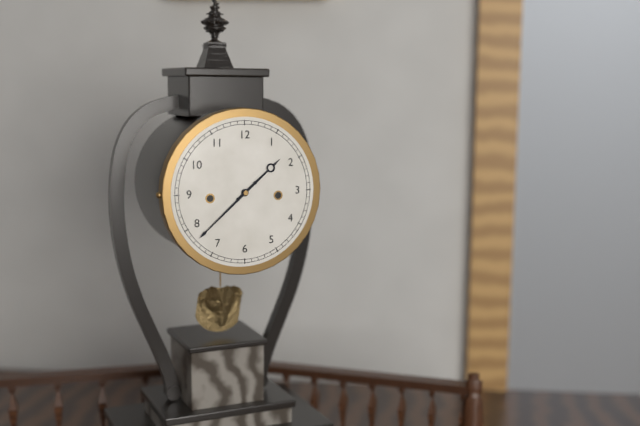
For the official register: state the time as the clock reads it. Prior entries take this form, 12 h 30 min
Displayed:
1 h 38 min
